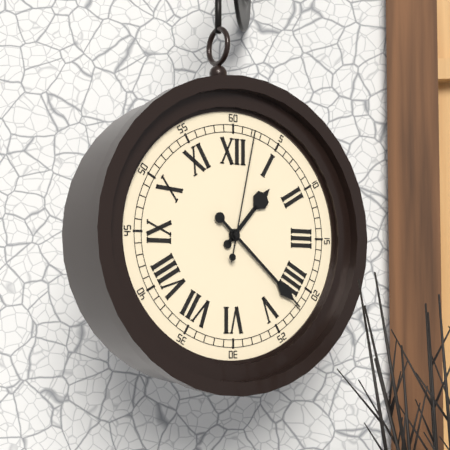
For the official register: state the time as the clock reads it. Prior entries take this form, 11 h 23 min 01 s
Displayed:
1 h 22 min 02 s
